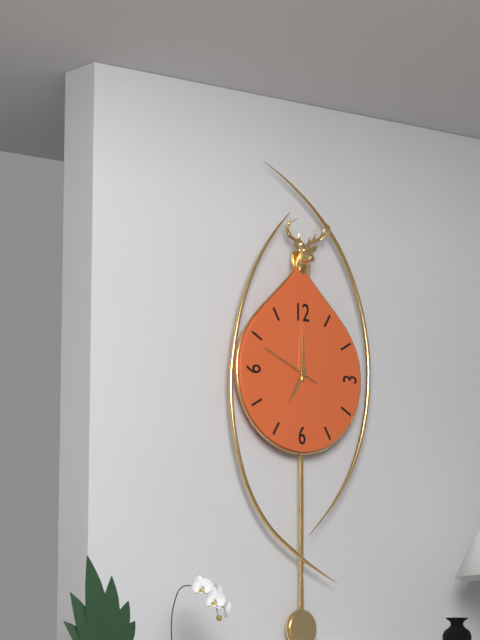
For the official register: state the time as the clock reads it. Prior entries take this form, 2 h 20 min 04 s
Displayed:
7 h 00 min 49 s
